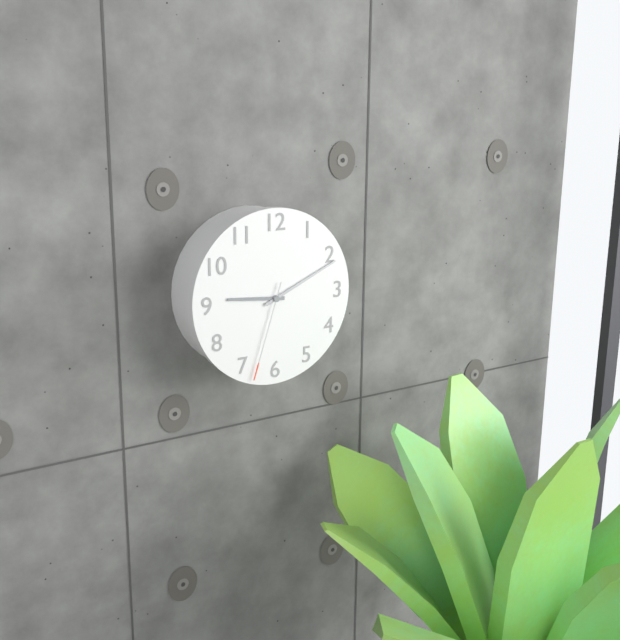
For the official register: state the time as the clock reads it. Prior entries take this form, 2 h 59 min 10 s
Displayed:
9 h 11 min 33 s
